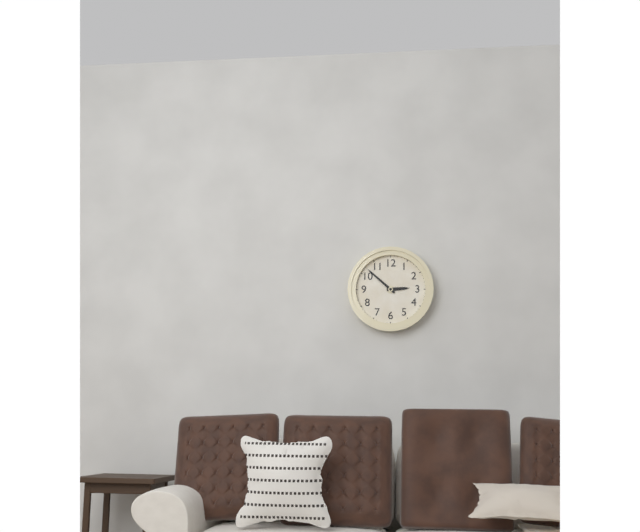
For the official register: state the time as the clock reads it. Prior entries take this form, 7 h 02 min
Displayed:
2 h 52 min
